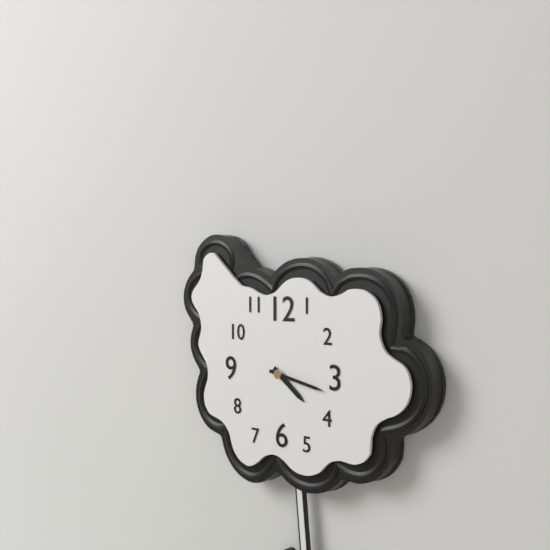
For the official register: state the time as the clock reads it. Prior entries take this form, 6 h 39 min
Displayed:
4 h 17 min
